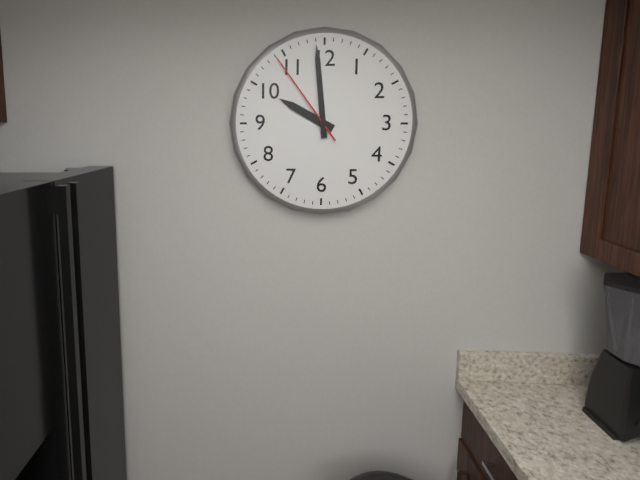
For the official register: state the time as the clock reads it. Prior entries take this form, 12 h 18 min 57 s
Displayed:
9 h 59 min 54 s
